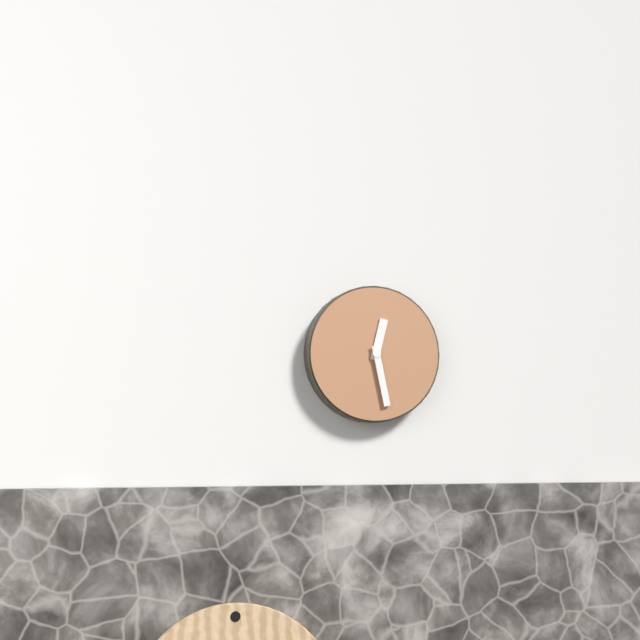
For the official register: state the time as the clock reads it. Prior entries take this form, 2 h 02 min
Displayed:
12 h 28 min
